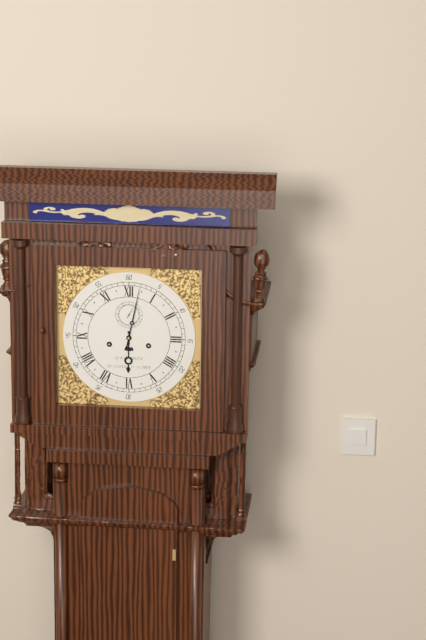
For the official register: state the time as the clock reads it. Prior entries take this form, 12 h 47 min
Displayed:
6 h 02 min
